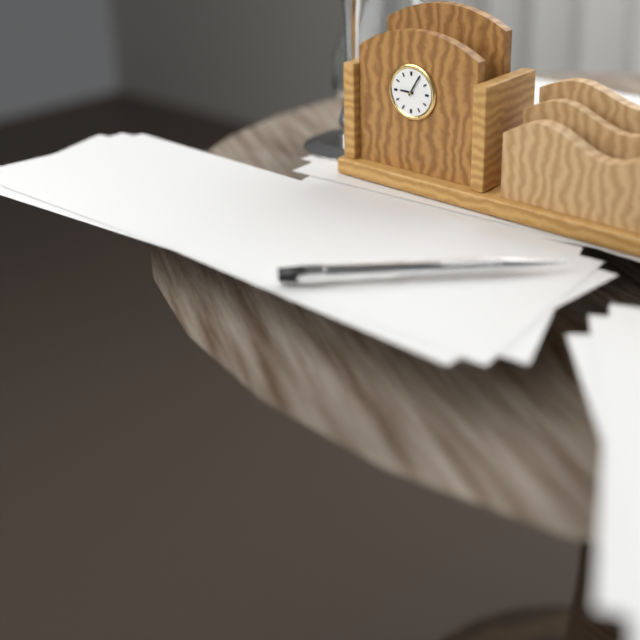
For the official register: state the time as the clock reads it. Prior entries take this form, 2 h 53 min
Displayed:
9 h 05 min
